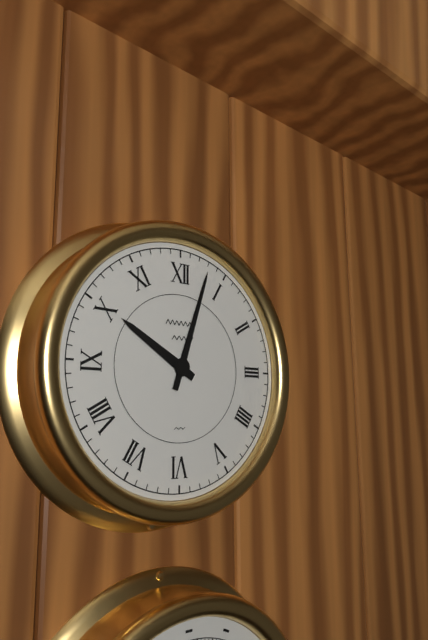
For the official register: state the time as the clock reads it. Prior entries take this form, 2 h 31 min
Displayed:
10 h 03 min
